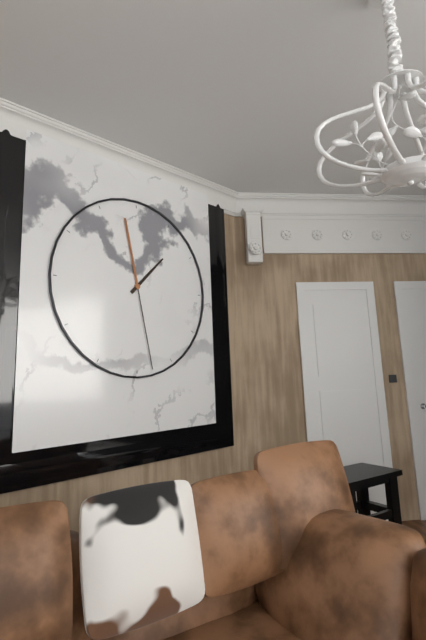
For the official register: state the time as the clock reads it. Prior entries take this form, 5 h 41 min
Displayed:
1 h 28 min
